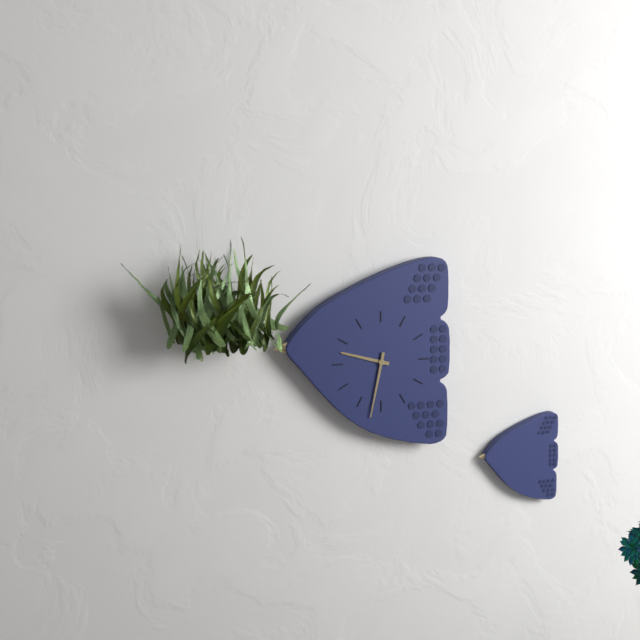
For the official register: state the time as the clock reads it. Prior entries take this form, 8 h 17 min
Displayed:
9 h 32 min
